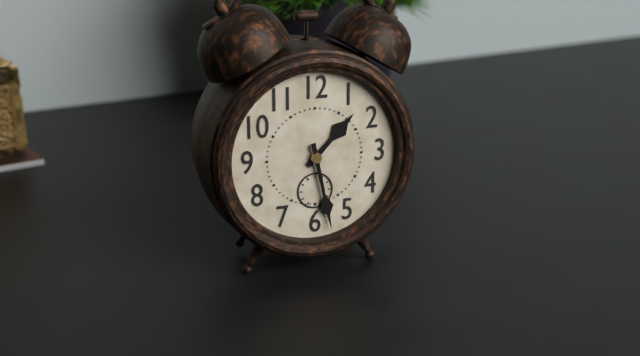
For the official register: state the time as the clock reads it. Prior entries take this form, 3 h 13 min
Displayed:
1 h 28 min
